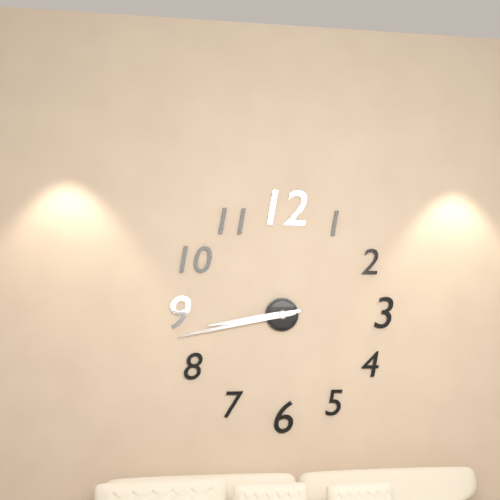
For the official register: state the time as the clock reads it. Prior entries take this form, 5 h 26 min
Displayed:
8 h 43 min
